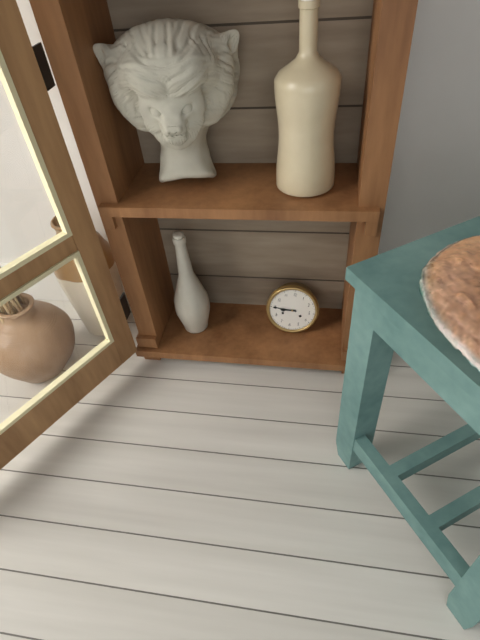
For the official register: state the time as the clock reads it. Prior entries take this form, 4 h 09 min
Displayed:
8 h 45 min
